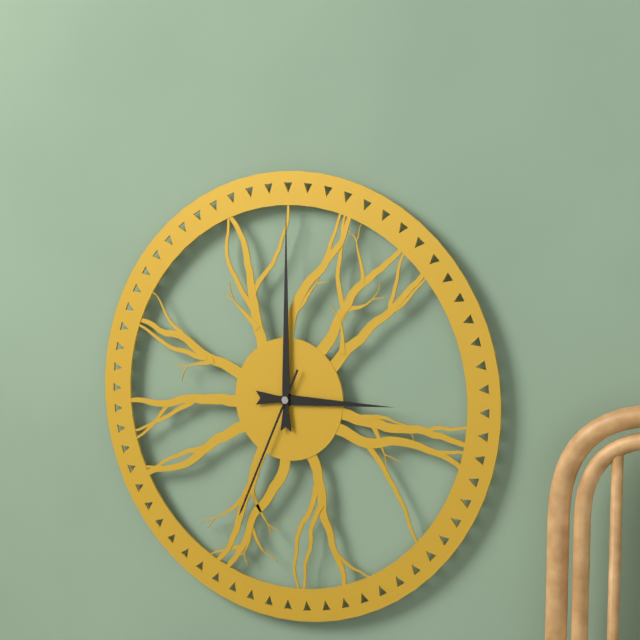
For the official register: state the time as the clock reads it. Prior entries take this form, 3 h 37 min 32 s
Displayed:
3 h 00 min 34 s
